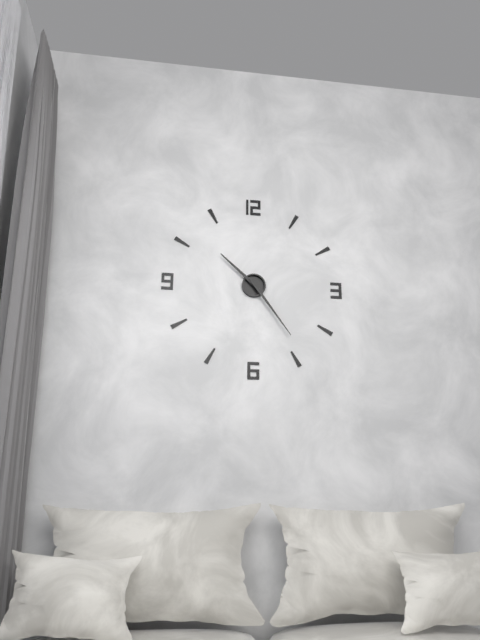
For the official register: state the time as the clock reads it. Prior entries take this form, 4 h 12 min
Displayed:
10 h 24 min
